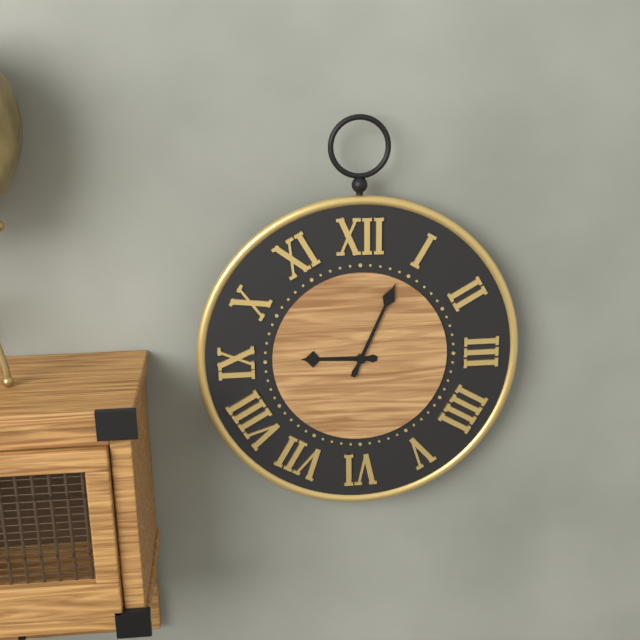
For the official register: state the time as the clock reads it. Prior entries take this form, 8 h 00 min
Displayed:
9 h 04 min
